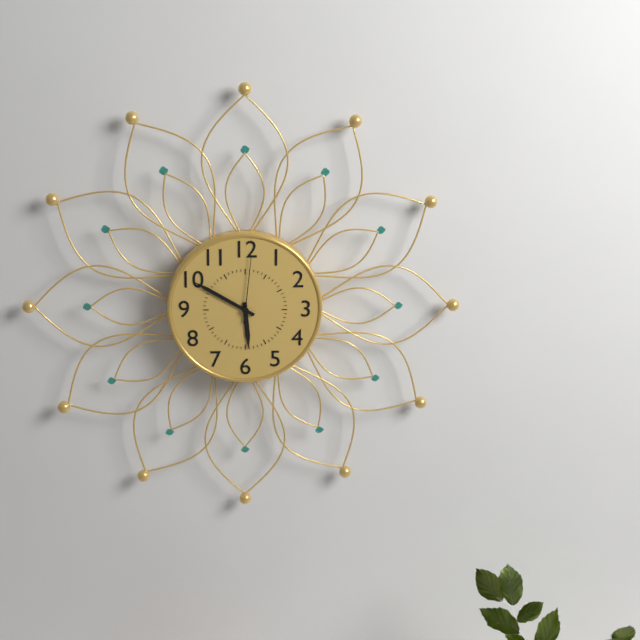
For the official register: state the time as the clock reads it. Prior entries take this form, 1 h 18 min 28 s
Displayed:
5 h 50 min 01 s
